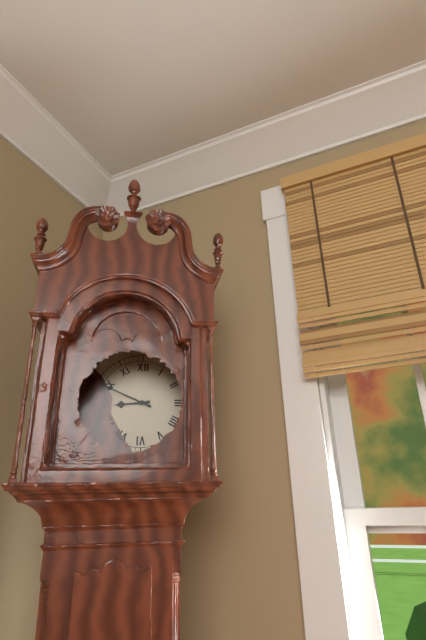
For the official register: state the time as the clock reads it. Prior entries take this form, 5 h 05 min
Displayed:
8 h 49 min
